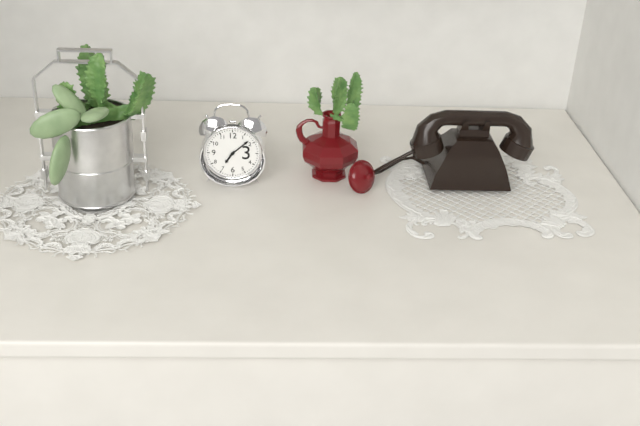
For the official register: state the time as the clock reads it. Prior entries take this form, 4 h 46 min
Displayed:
7 h 08 min
